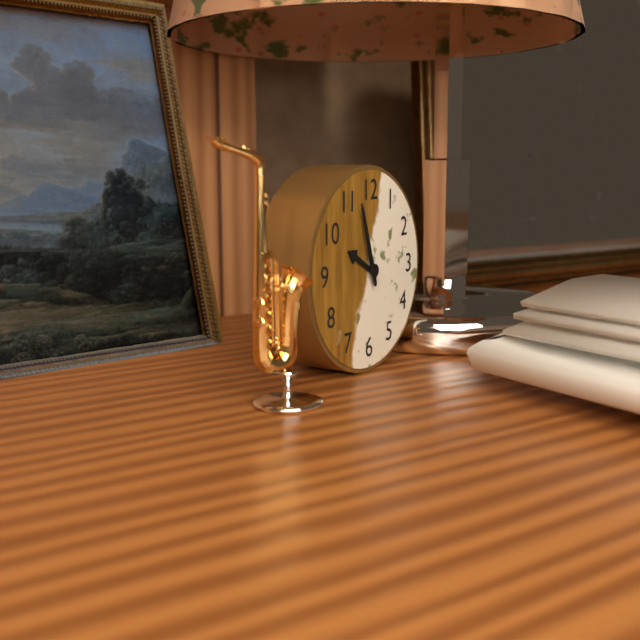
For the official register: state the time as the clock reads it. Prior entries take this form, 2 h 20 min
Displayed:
9 h 57 min
